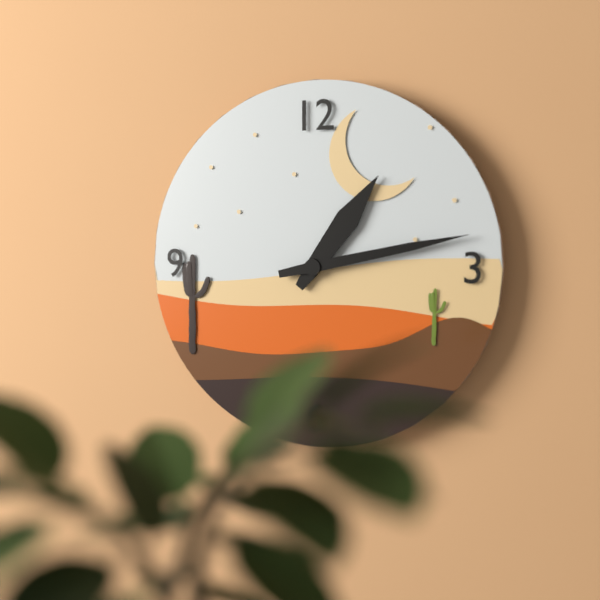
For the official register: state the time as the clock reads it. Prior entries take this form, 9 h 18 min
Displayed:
1 h 13 min
